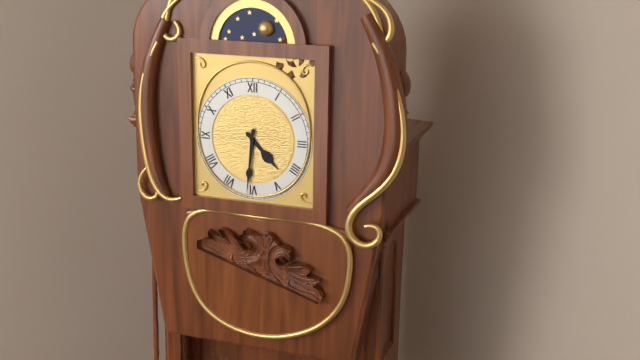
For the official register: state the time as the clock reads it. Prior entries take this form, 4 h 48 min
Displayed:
4 h 31 min
